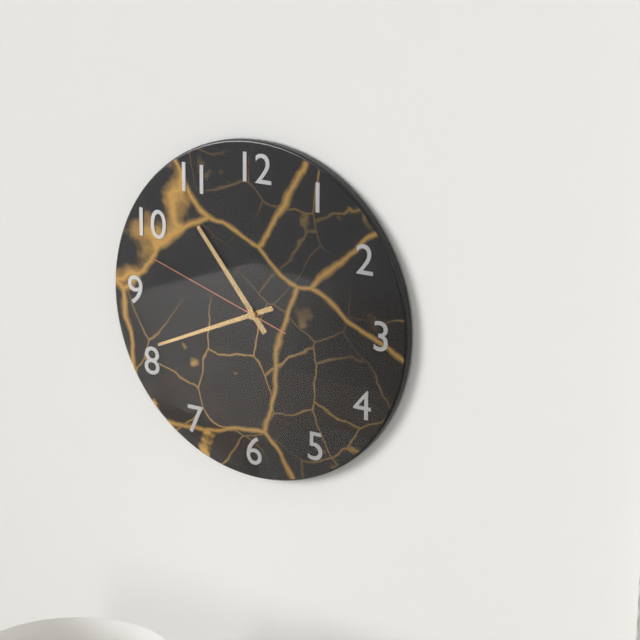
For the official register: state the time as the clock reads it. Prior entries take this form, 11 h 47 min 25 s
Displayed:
10 h 41 min 48 s
